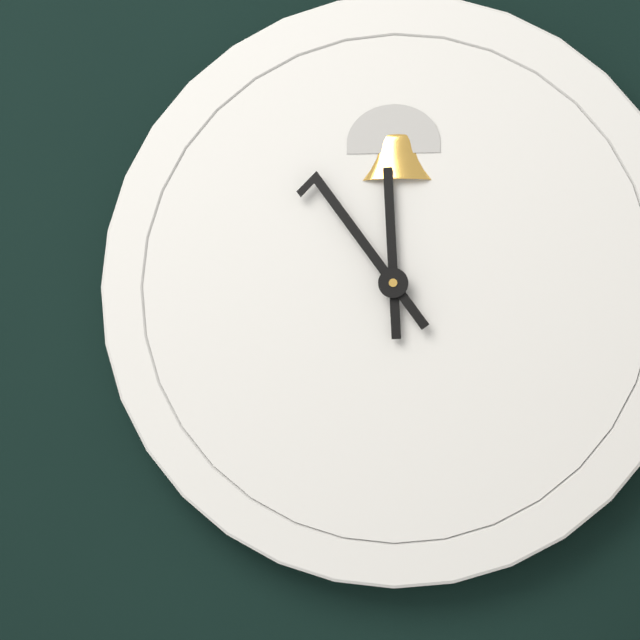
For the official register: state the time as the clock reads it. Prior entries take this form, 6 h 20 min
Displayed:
11 h 54 min
